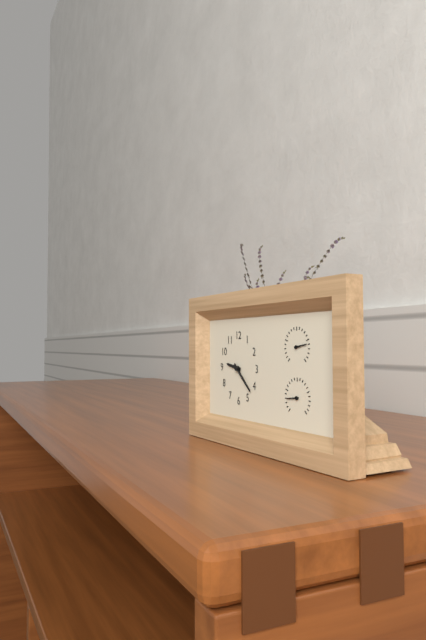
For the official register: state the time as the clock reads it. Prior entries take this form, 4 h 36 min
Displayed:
9 h 22 min
